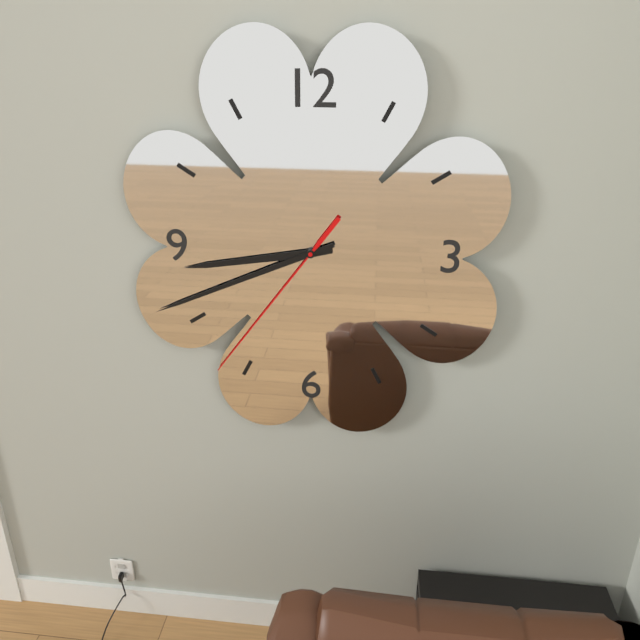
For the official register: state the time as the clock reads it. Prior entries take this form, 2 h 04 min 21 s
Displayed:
8 h 41 min 36 s
